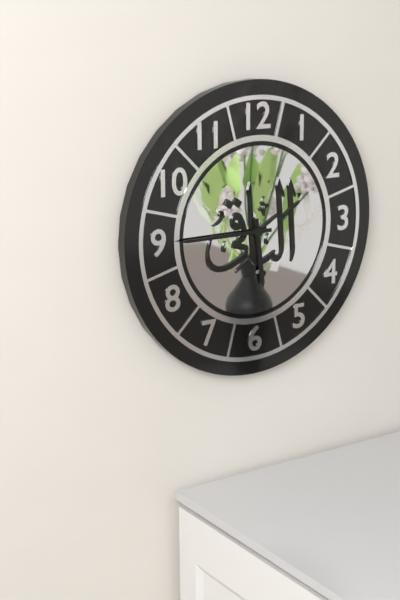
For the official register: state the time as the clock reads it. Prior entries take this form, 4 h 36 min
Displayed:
5 h 45 min
